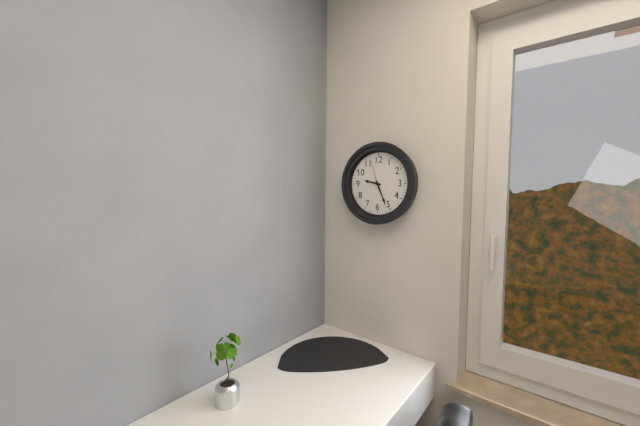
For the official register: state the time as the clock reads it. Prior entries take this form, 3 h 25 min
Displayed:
9 h 26 min
